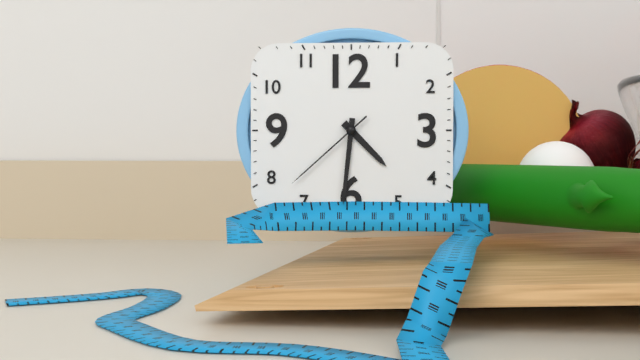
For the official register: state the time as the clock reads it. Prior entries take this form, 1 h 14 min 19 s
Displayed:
4 h 31 min 38 s
